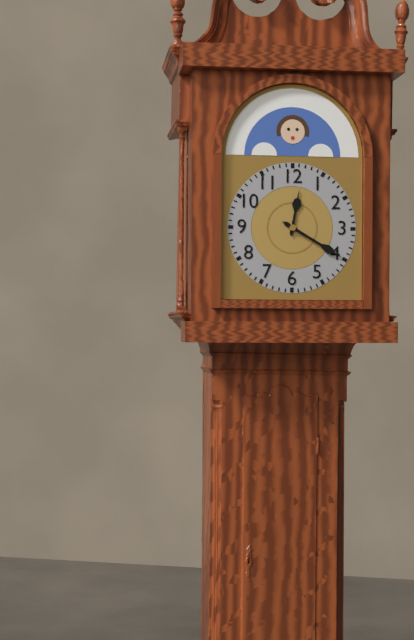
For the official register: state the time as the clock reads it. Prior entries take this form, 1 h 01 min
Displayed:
12 h 20 min
